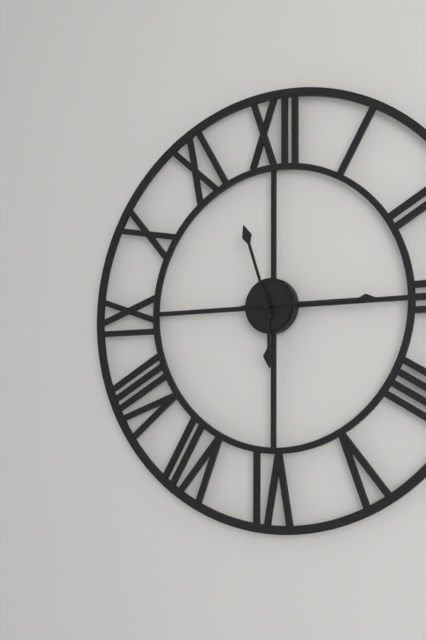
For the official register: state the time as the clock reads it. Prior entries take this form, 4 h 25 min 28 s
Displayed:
5 h 57 min 15 s
